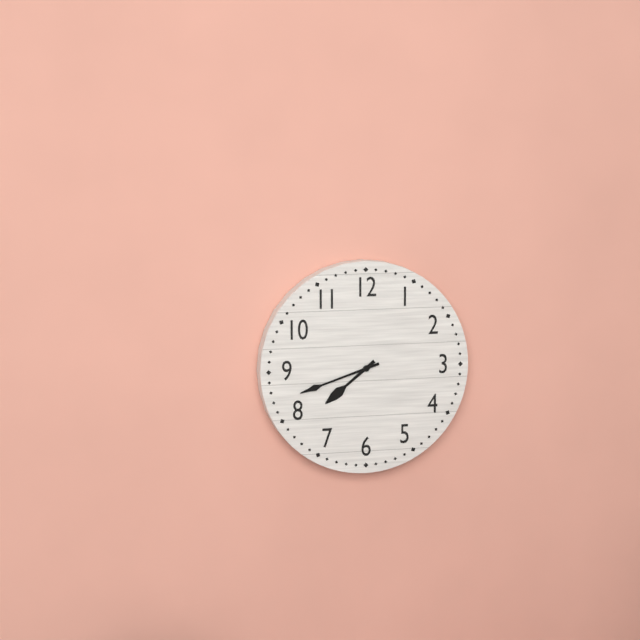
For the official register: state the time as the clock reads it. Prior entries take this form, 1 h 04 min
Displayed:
7 h 42 min
